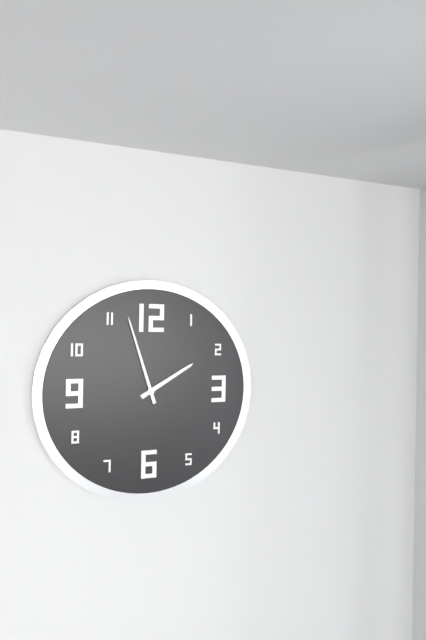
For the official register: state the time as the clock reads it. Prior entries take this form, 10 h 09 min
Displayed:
1 h 57 min
